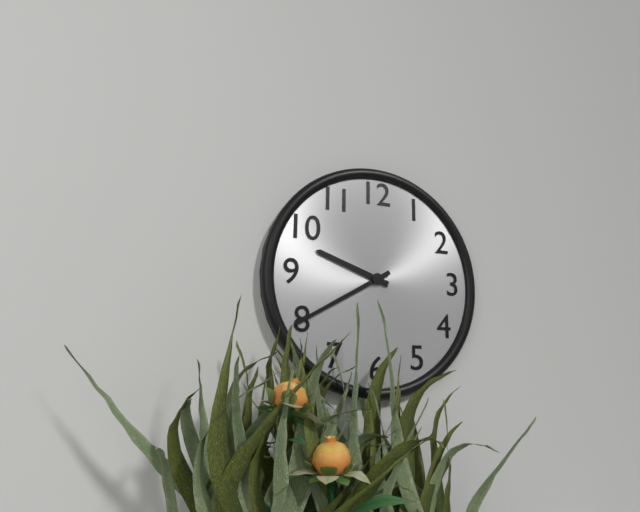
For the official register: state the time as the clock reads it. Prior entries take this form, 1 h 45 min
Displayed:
9 h 40 min
